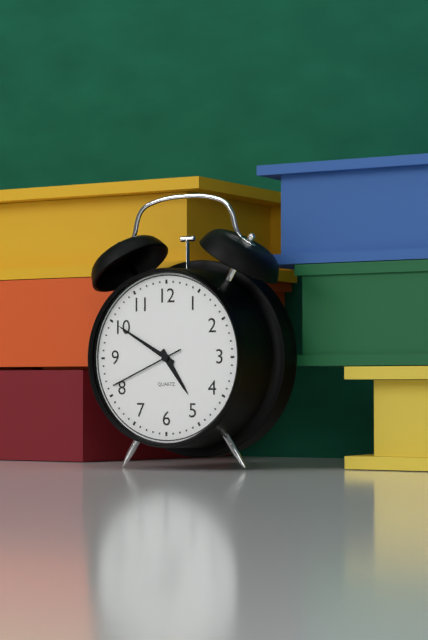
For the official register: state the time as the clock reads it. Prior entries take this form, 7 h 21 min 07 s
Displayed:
4 h 50 min 41 s
